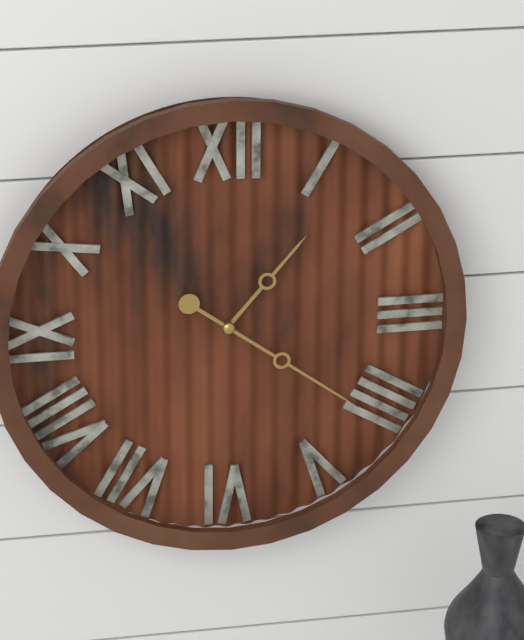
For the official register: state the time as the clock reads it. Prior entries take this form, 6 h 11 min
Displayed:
1 h 21 min
